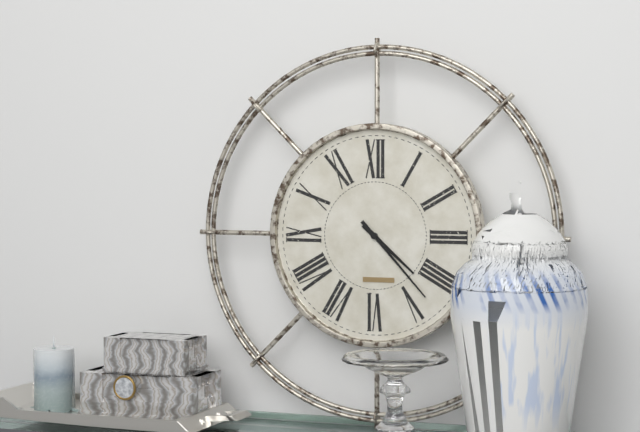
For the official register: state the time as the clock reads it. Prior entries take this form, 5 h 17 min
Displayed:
4 h 23 min
